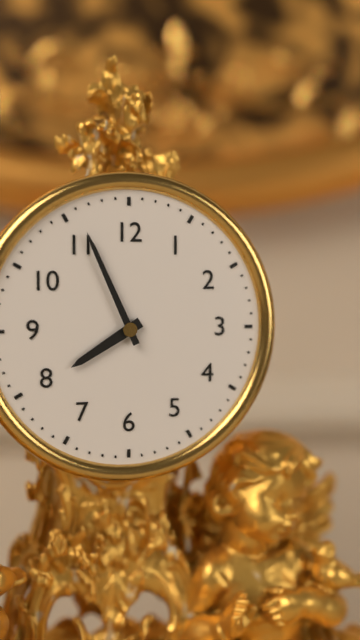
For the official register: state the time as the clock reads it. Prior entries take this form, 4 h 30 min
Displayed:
7 h 56 min
